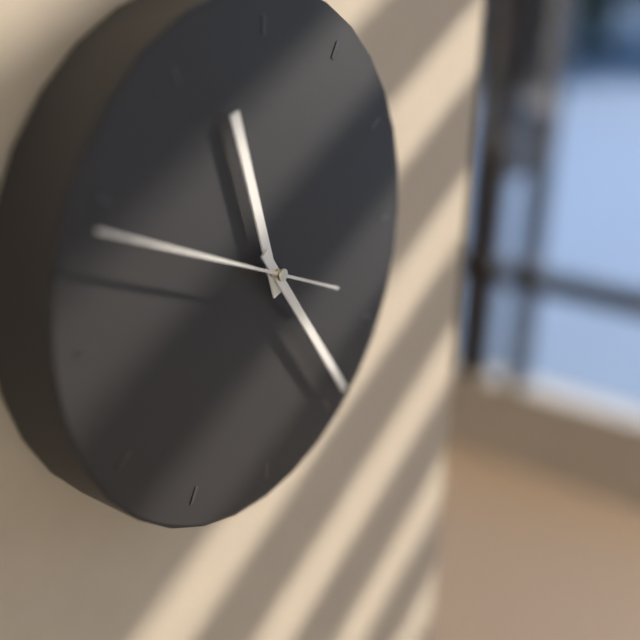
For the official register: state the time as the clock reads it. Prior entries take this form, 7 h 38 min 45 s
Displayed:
11 h 24 min 49 s
